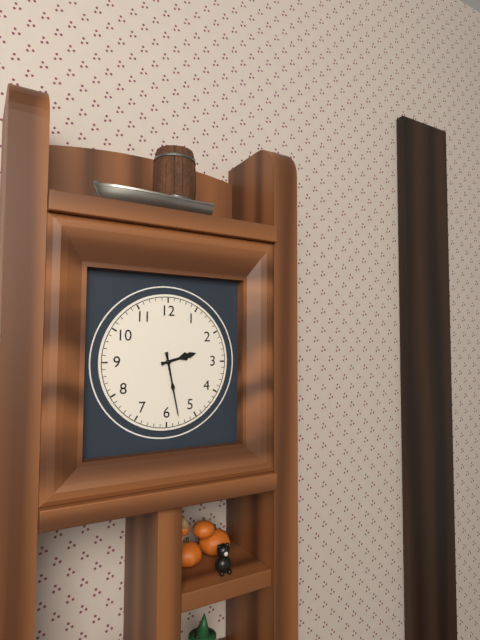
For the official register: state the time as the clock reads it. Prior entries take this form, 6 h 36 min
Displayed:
2 h 28 min
